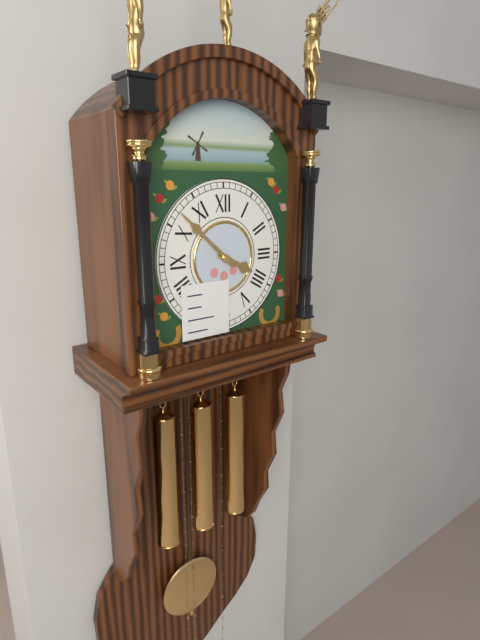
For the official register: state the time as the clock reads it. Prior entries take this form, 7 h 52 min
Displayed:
3 h 52 min
